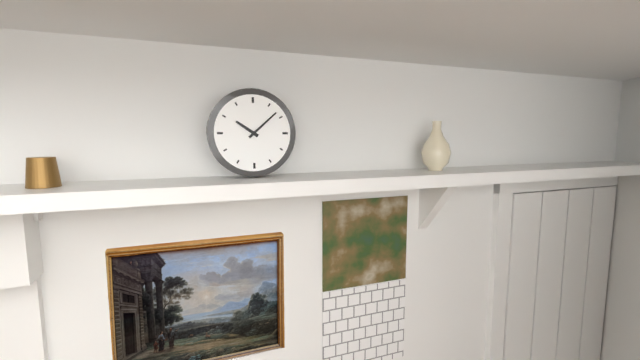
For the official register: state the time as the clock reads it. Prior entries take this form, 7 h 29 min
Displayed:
10 h 08 min
